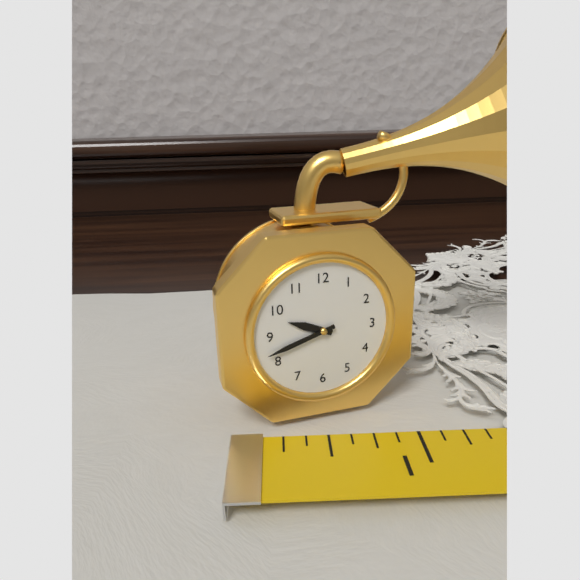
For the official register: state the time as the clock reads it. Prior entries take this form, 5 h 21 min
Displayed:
9 h 42 min
